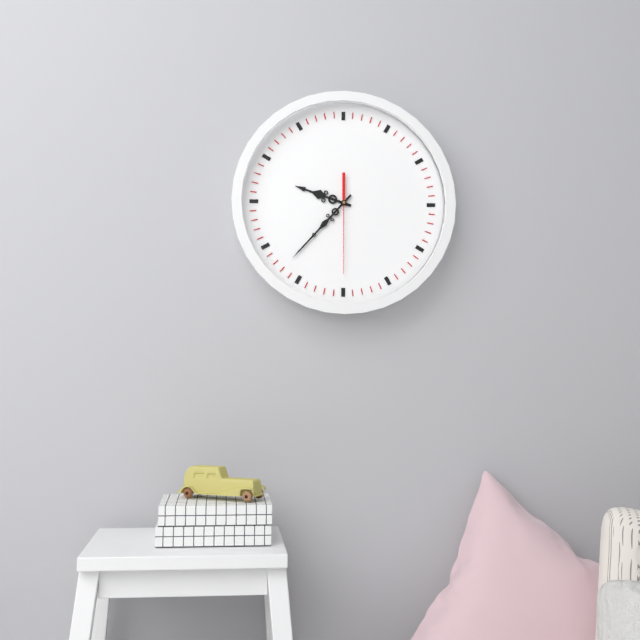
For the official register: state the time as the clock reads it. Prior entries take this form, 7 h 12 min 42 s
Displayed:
9 h 37 min 30 s
